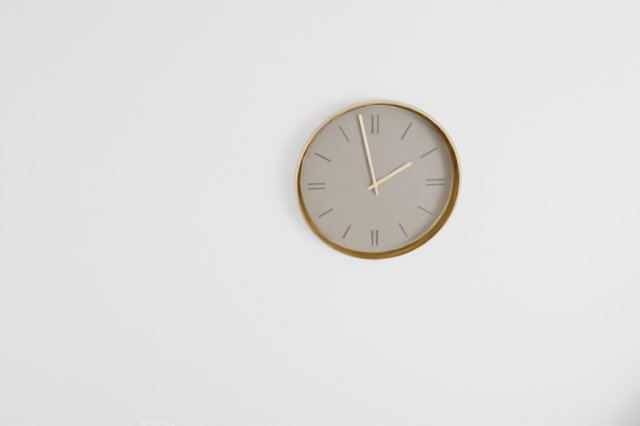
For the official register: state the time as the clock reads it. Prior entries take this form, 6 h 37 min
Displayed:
1 h 58 min
